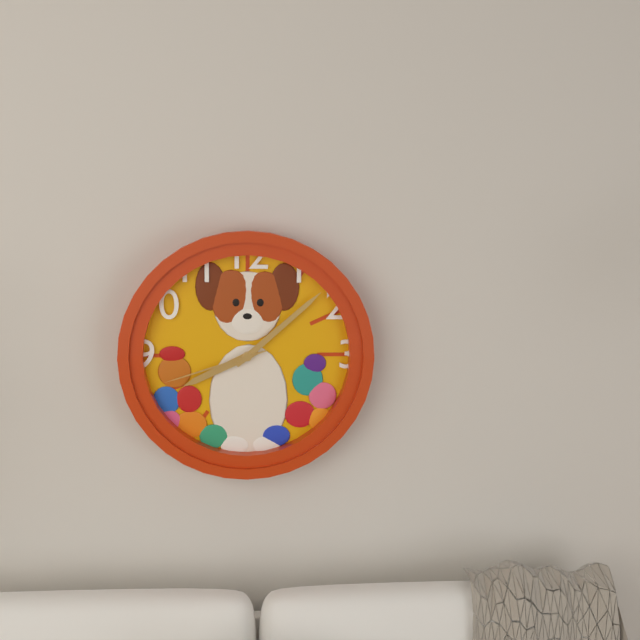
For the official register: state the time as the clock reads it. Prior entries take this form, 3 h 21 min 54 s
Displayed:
8 h 08 min 42 s
